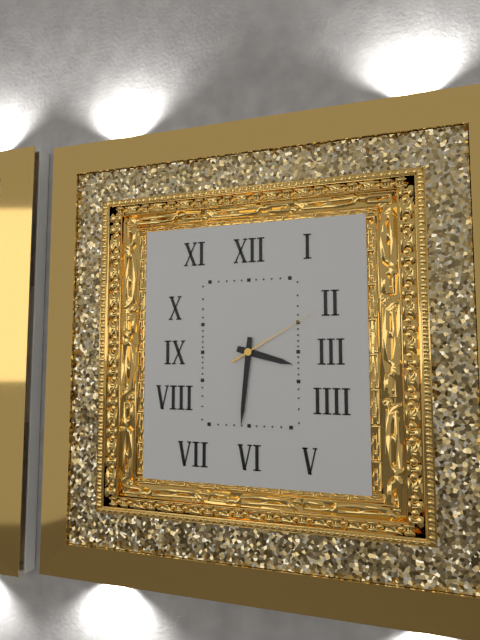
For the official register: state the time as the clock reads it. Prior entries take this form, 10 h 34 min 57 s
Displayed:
3 h 31 min 10 s
